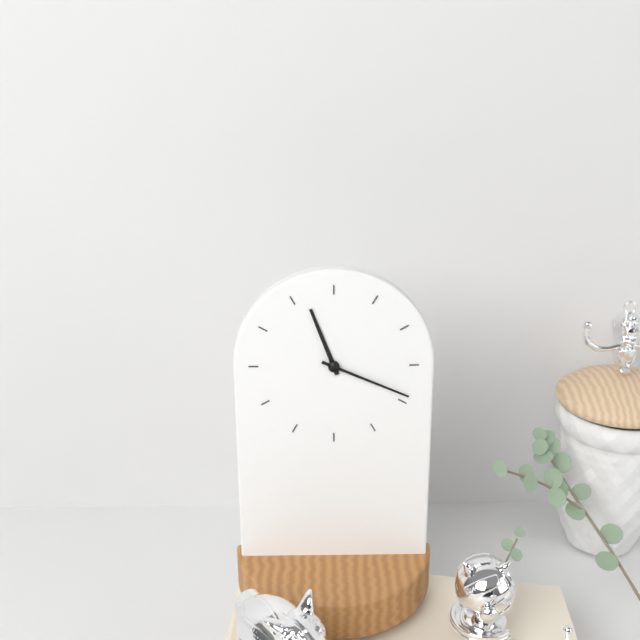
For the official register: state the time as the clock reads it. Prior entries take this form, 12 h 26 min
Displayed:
11 h 19 min
